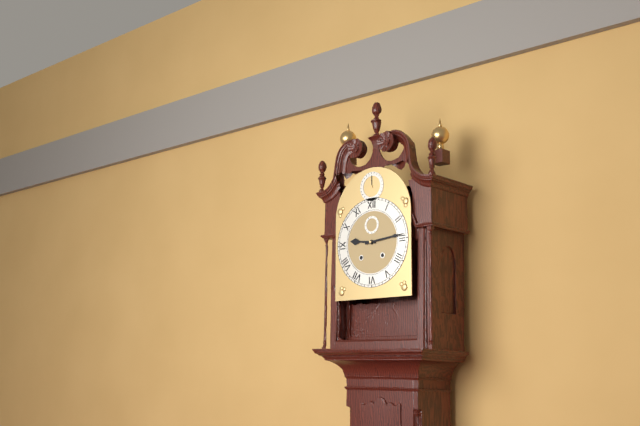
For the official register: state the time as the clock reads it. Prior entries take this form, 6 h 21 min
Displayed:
9 h 14 min
